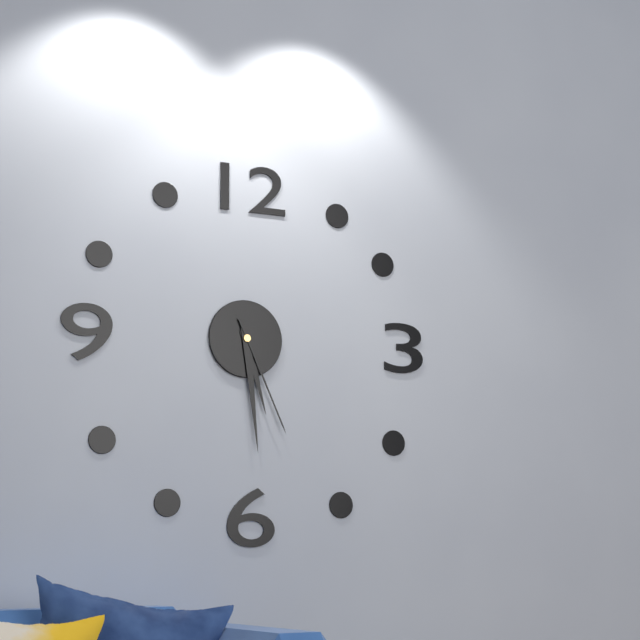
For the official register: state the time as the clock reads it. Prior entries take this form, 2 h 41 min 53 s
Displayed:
5 h 29 min 26 s
